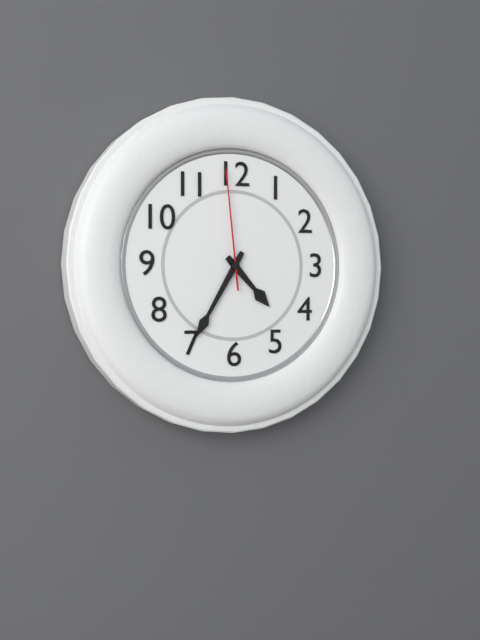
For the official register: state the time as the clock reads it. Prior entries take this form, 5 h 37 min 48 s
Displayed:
4 h 35 min 59 s
